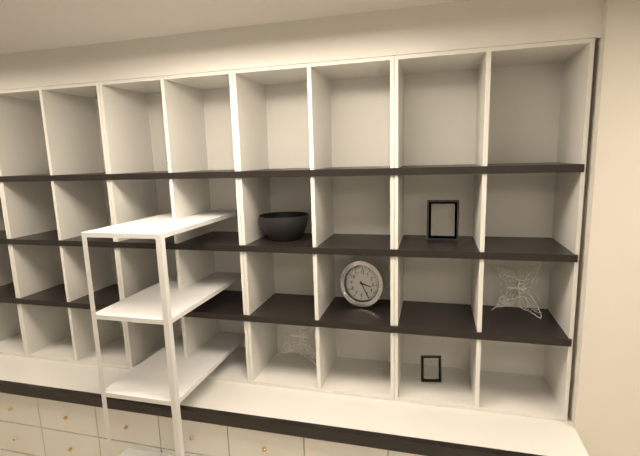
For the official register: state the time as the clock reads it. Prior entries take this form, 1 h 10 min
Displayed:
3 h 25 min
